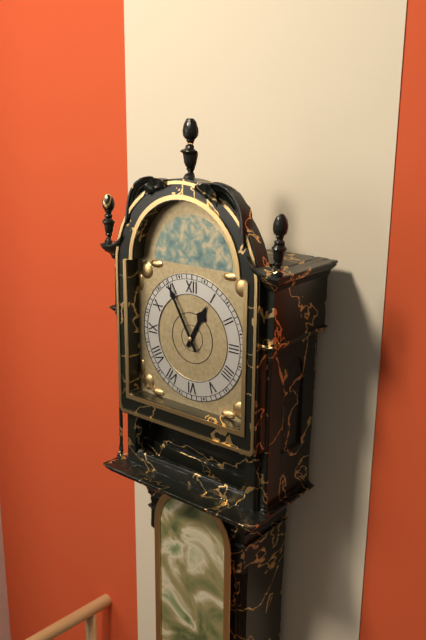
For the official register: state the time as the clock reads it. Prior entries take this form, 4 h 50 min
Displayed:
12 h 55 min
